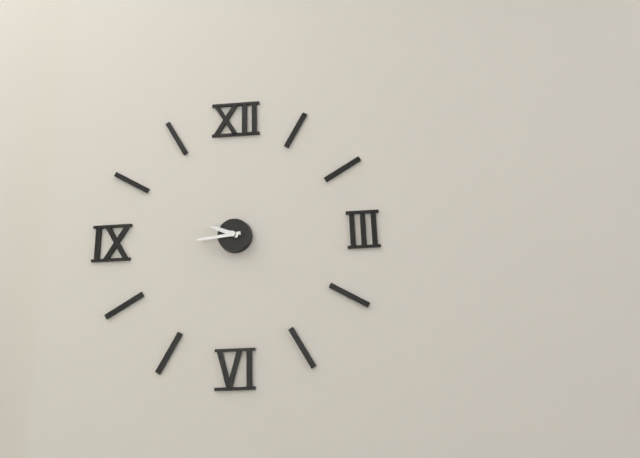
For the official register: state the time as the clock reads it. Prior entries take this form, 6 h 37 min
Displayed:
9 h 44 min
